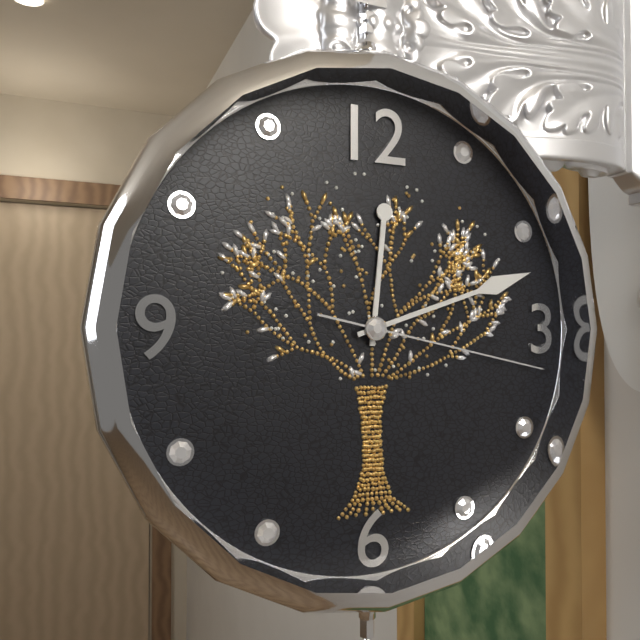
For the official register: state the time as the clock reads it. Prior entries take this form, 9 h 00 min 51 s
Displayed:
12 h 12 min 17 s
